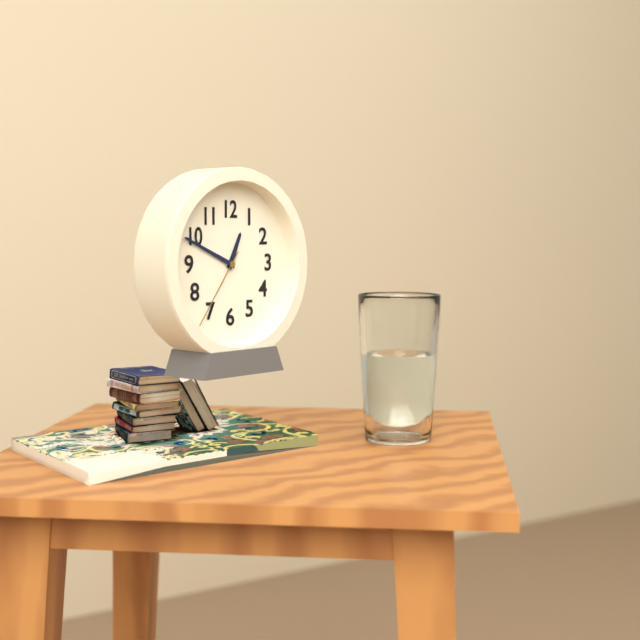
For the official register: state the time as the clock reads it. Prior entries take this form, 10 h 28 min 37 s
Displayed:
12 h 49 min 36 s
